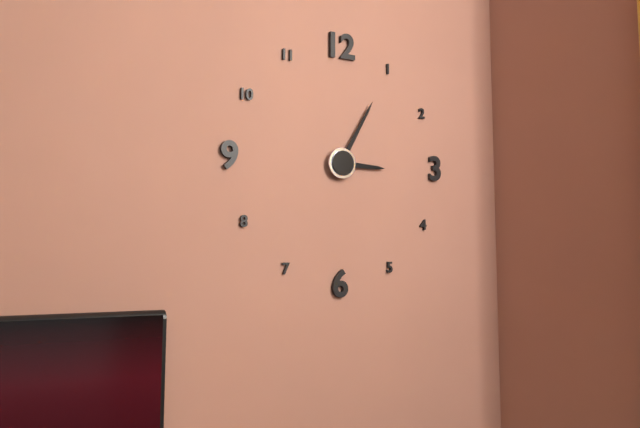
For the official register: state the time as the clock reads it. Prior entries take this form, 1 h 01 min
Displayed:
3 h 05 min
